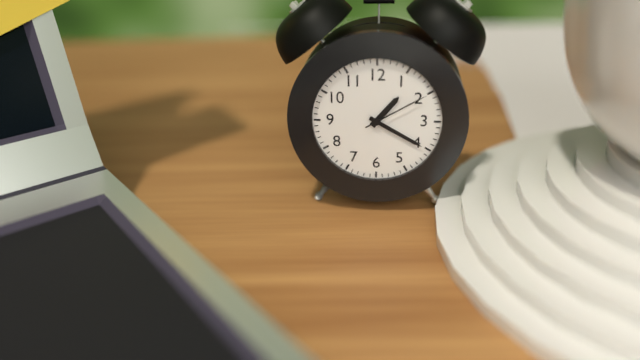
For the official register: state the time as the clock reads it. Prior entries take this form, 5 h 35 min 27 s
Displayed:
1 h 20 min 10 s
